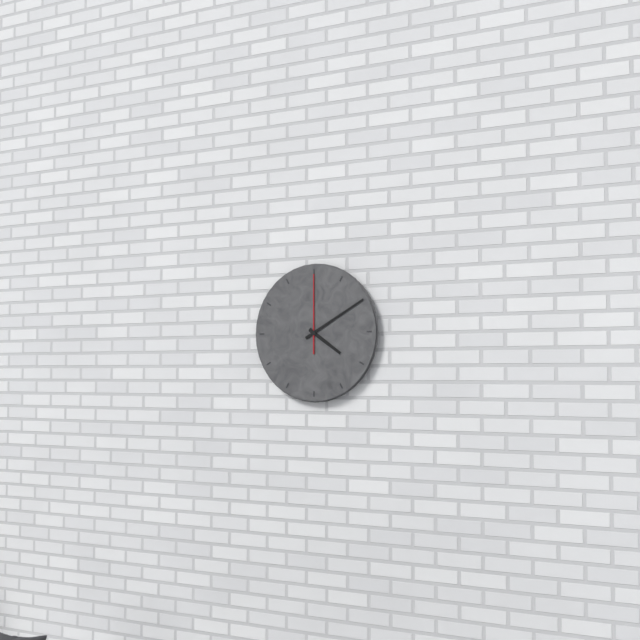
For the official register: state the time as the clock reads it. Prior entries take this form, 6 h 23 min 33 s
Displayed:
4 h 10 min 00 s
